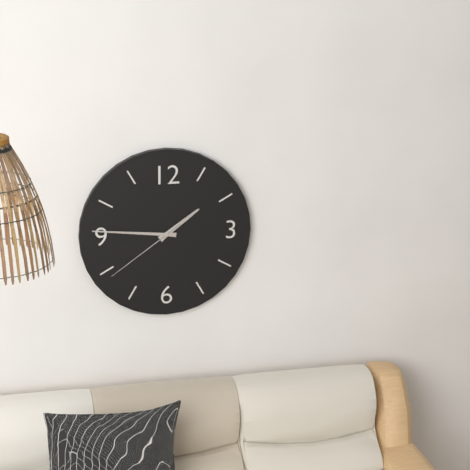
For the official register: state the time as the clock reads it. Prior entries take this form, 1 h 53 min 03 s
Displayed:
1 h 46 min 39 s
